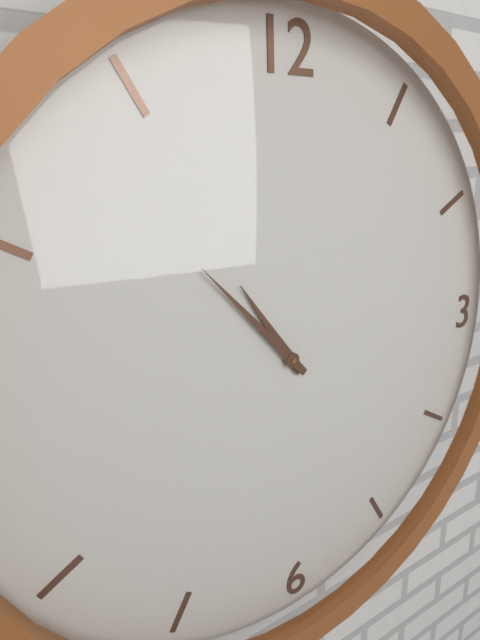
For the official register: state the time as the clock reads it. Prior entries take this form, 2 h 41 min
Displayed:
10 h 53 min
